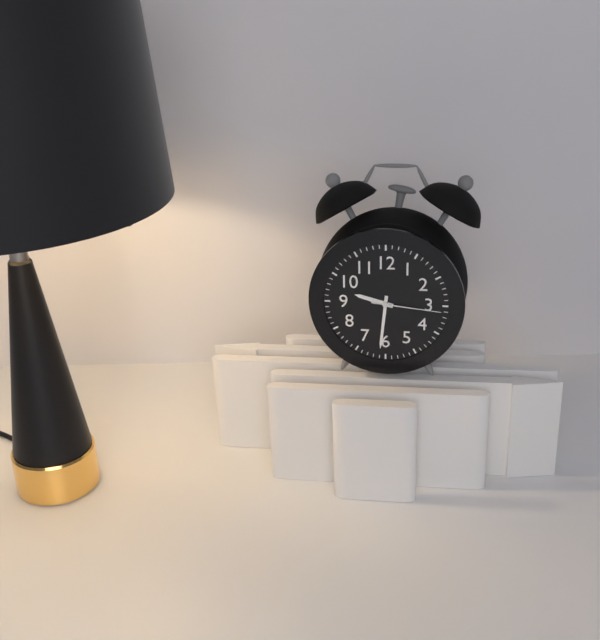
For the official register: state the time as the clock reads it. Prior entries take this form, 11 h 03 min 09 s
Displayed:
9 h 31 min 16 s
